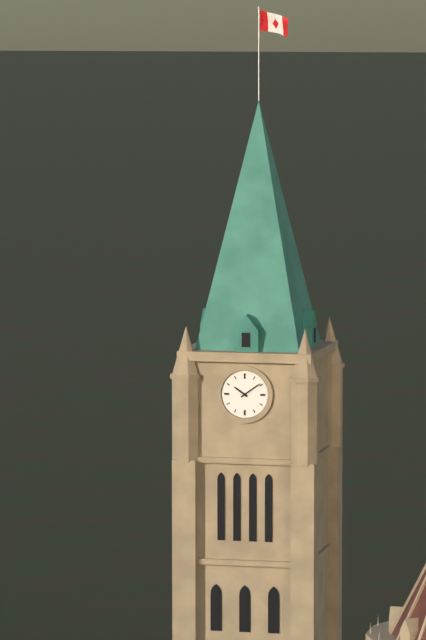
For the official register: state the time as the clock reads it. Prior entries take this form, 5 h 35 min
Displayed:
10 h 09 min
